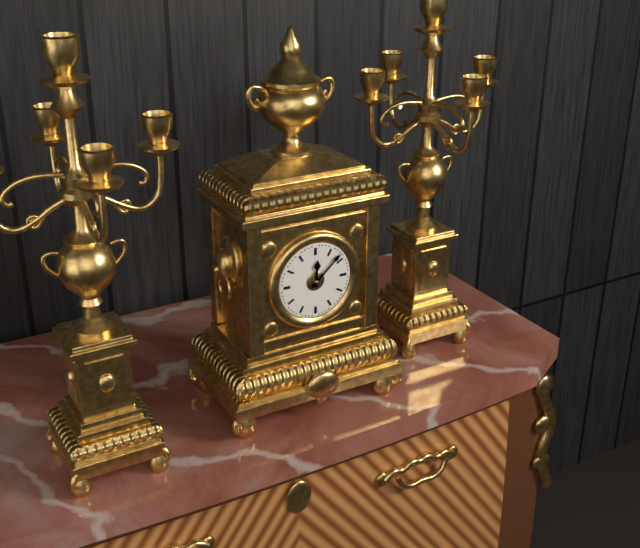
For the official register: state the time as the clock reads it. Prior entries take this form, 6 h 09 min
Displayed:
12 h 08 min
